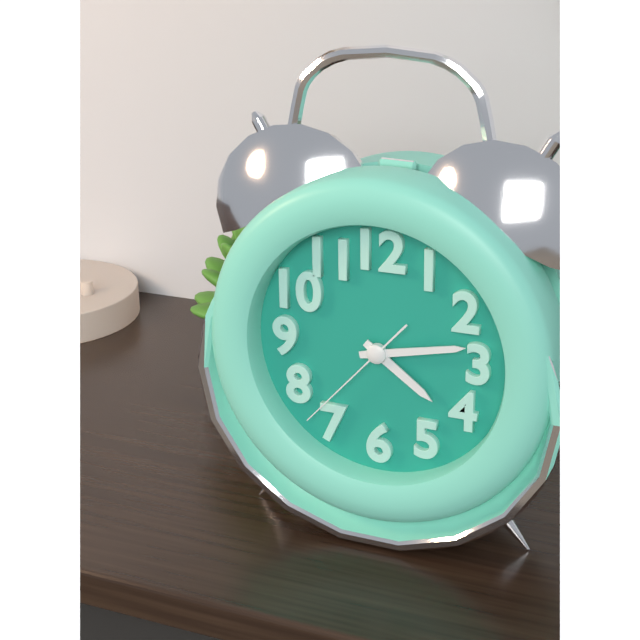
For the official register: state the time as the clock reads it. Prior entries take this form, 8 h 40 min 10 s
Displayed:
4 h 13 min 37 s
